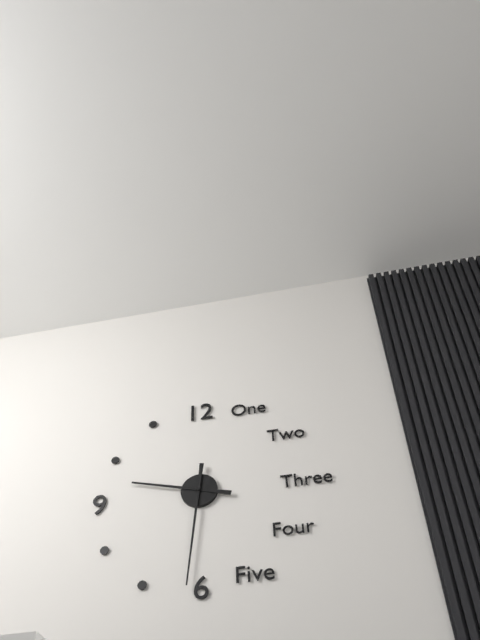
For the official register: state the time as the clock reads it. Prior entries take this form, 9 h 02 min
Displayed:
9 h 31 min
